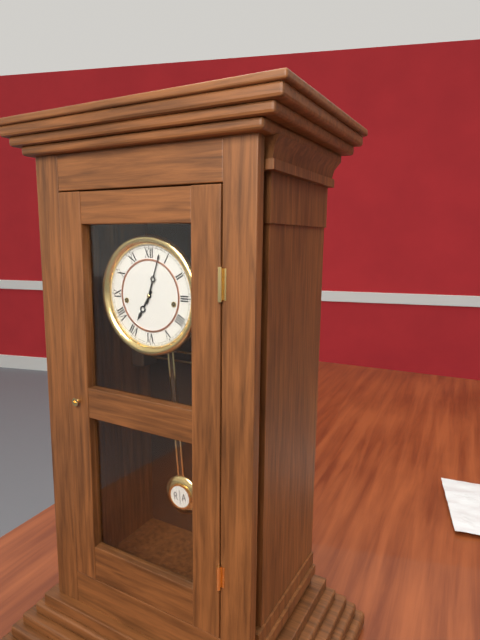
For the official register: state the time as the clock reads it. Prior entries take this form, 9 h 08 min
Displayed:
7 h 03 min
